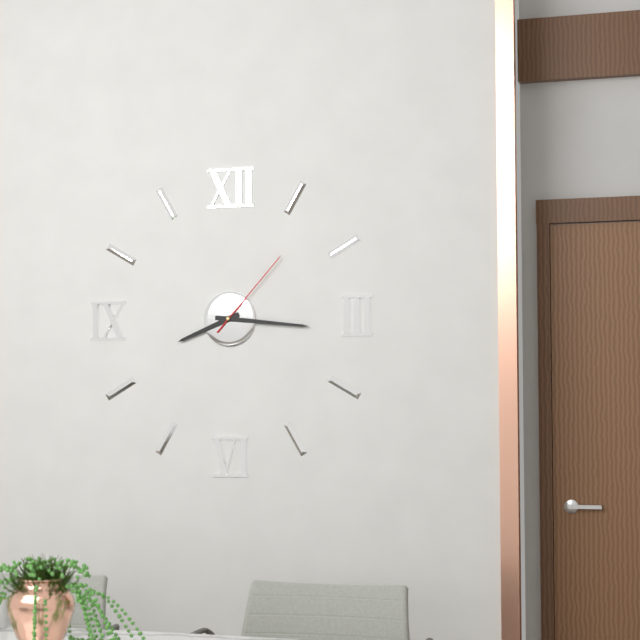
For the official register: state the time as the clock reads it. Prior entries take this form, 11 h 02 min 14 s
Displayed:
8 h 16 min 07 s
